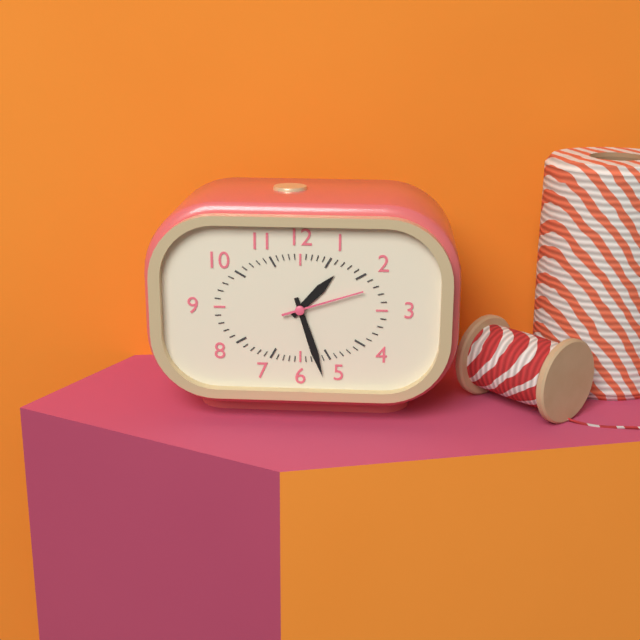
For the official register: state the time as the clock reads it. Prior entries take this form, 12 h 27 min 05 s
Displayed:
1 h 27 min 12 s
